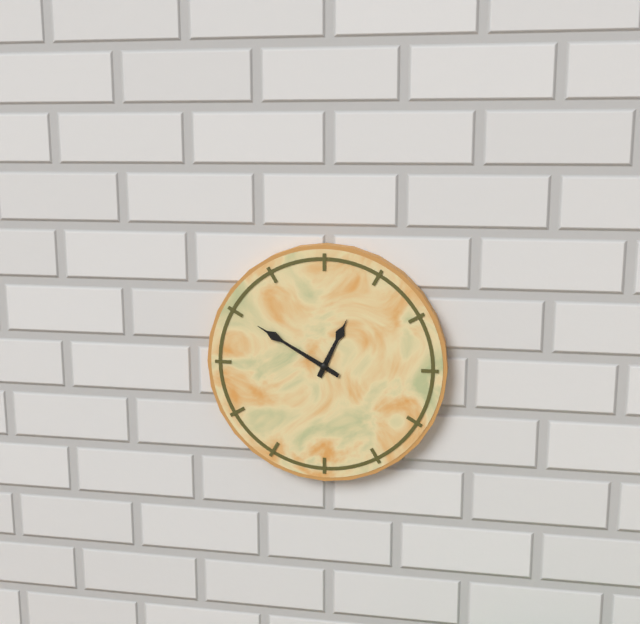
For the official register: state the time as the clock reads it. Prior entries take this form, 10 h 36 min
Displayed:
12 h 50 min
